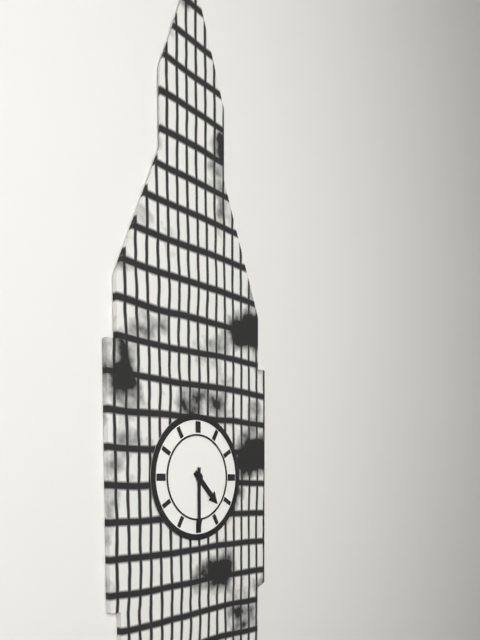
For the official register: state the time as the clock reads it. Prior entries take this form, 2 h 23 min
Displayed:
4 h 30 min
